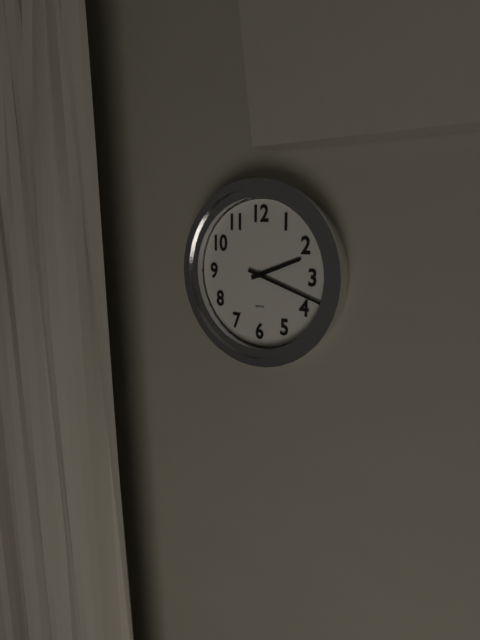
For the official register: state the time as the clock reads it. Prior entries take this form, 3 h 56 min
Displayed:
2 h 18 min
